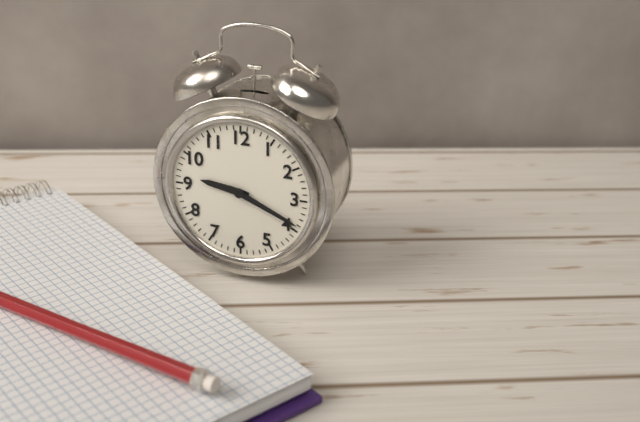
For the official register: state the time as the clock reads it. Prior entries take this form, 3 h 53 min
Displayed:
9 h 19 min
